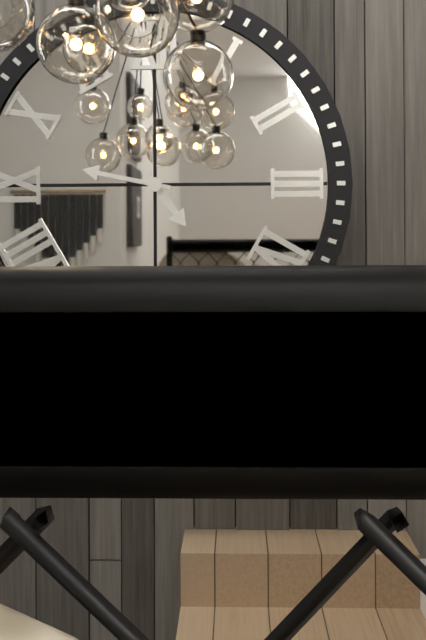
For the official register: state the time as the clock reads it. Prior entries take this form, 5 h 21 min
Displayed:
4 h 47 min
